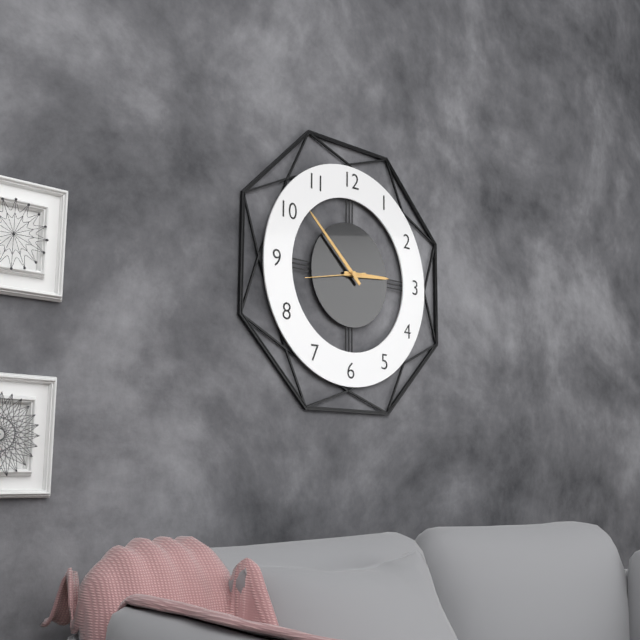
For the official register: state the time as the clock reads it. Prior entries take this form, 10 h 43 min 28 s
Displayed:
2 h 52 min 43 s
